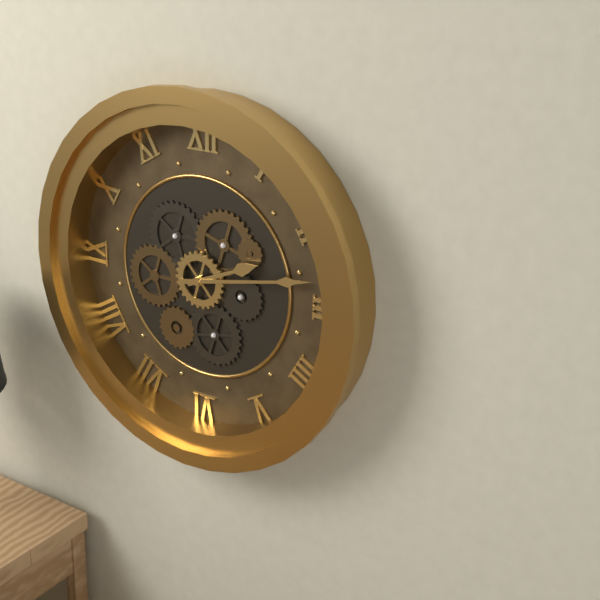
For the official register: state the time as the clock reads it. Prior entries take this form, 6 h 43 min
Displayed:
2 h 13 min
